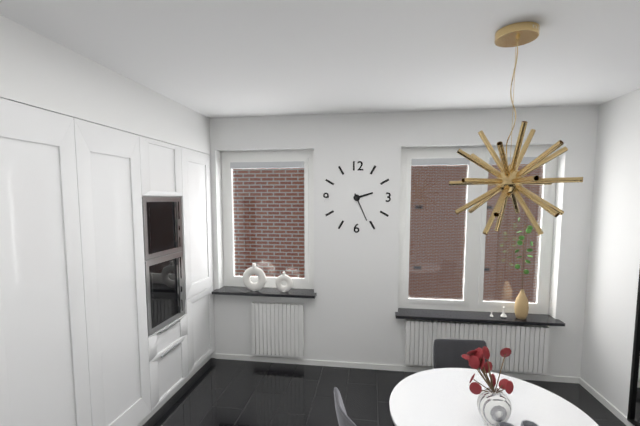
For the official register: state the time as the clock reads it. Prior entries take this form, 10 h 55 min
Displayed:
2 h 26 min
